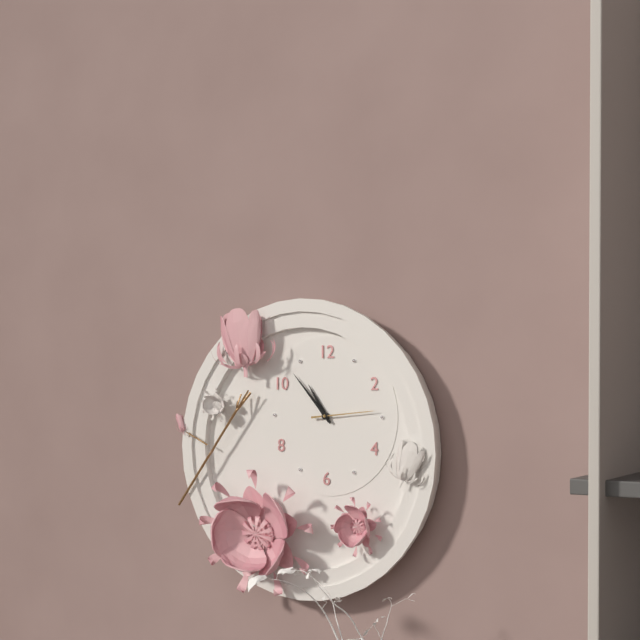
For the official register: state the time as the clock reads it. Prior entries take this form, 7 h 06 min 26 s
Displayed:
10 h 53 min 14 s
